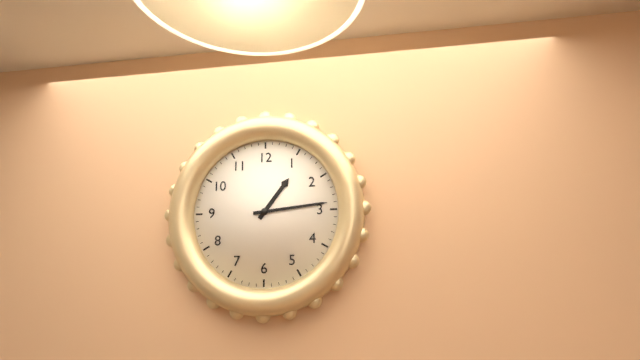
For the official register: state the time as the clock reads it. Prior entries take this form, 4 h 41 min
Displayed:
1 h 14 min
